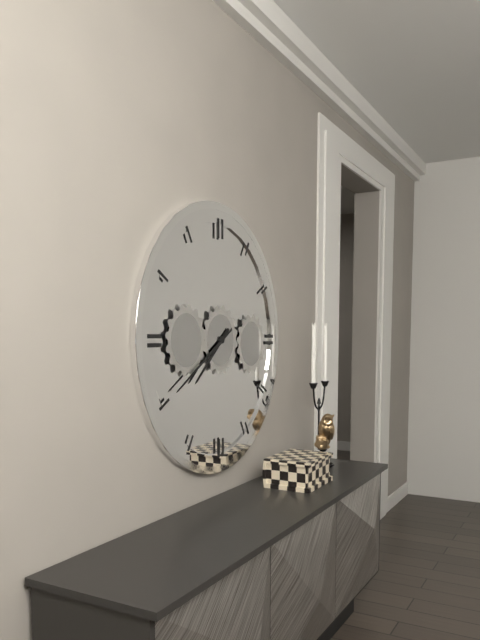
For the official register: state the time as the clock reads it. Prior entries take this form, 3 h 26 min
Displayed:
7 h 40 min
